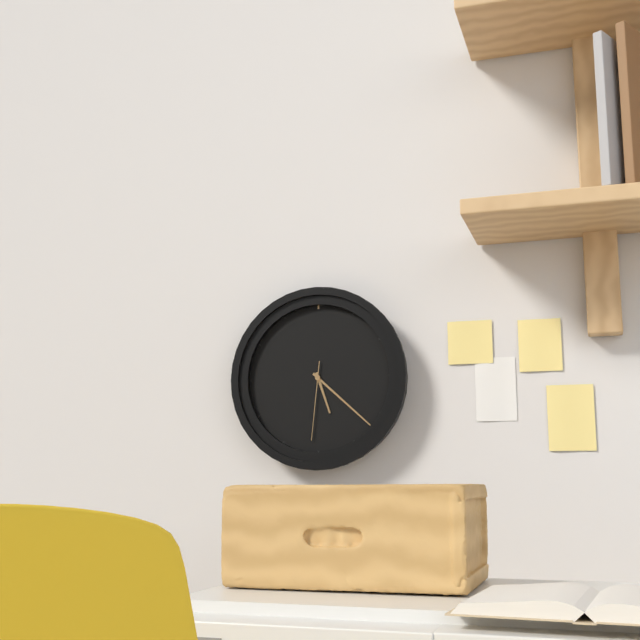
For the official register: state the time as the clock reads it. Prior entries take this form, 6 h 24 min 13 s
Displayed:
5 h 22 min 31 s
